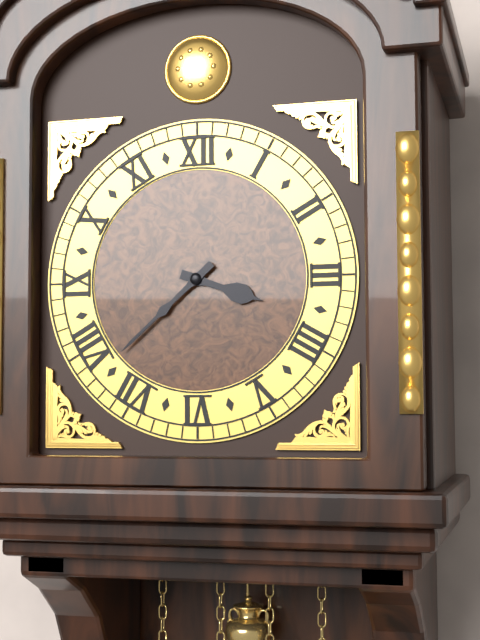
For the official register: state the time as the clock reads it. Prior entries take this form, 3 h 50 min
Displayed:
3 h 38 min
